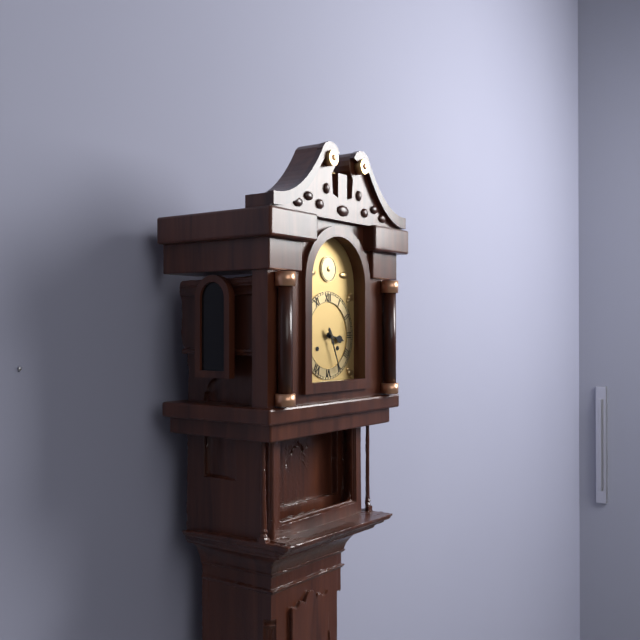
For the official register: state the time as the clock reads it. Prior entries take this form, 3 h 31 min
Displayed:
3 h 26 min
